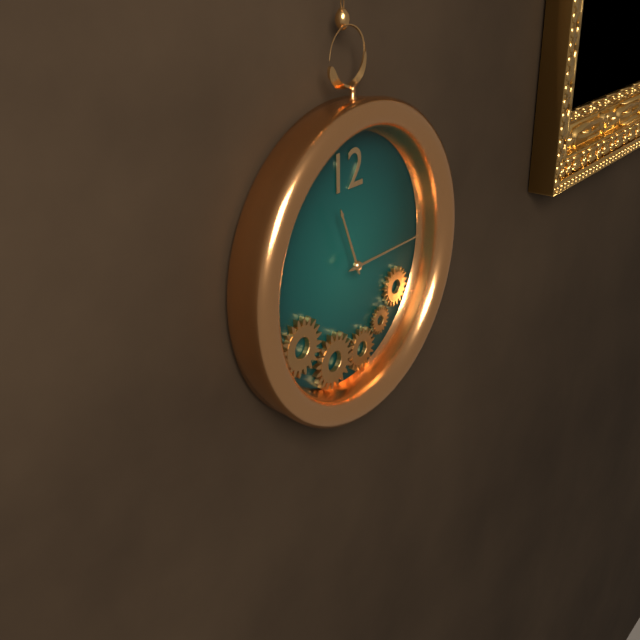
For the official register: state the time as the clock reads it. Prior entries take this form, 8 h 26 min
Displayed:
11 h 15 min
